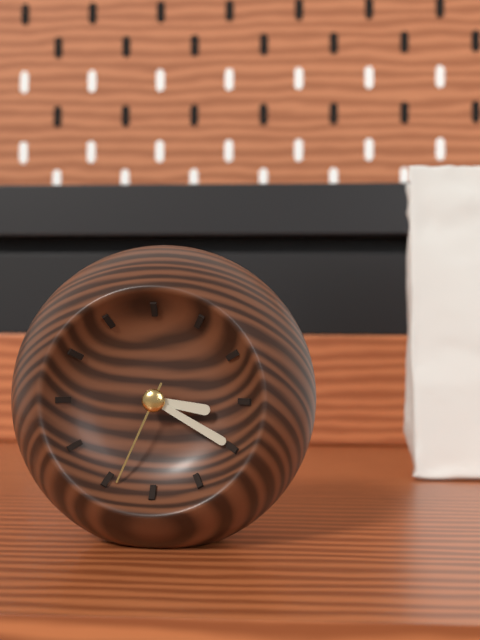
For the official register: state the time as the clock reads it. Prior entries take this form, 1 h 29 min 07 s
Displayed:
3 h 20 min 34 s
